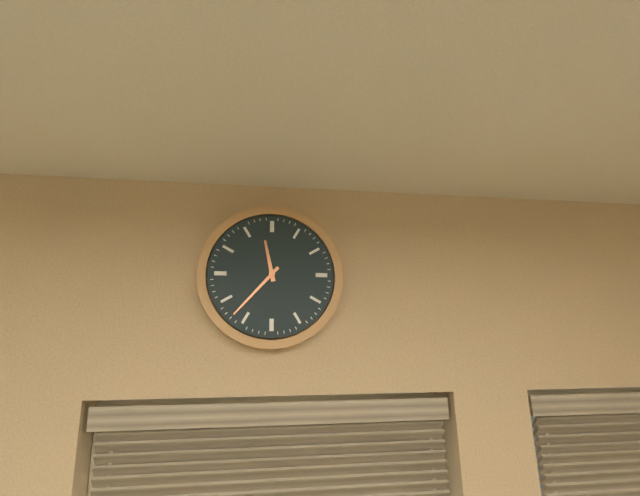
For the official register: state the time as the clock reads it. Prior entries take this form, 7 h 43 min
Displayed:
11 h 37 min
